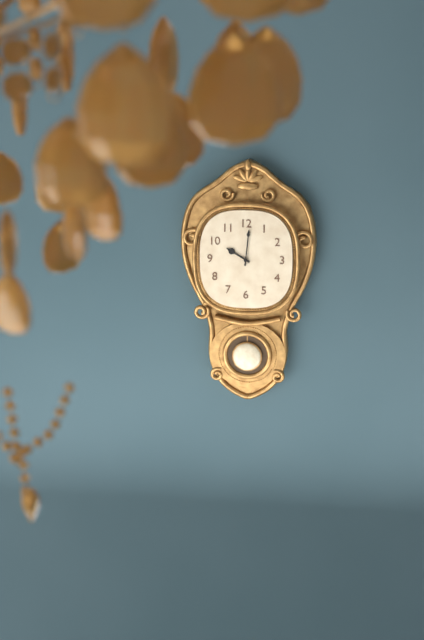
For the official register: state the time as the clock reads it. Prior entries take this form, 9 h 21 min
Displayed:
10 h 01 min
